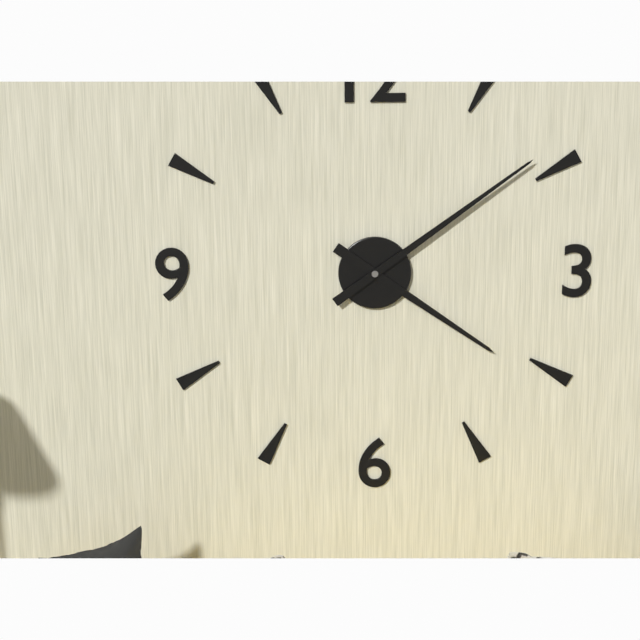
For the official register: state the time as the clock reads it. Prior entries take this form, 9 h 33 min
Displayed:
4 h 09 min
